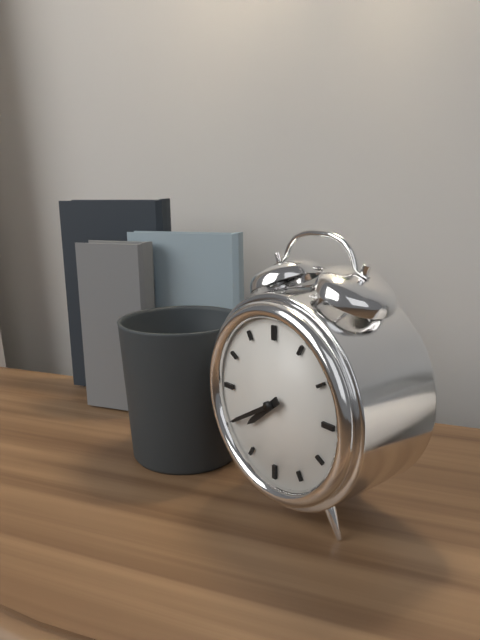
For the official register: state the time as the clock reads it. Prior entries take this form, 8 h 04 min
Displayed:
7 h 40 min
